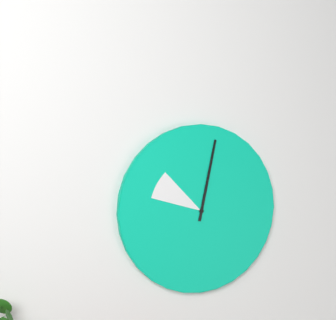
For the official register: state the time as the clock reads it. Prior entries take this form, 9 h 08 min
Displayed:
10 h 02 min
